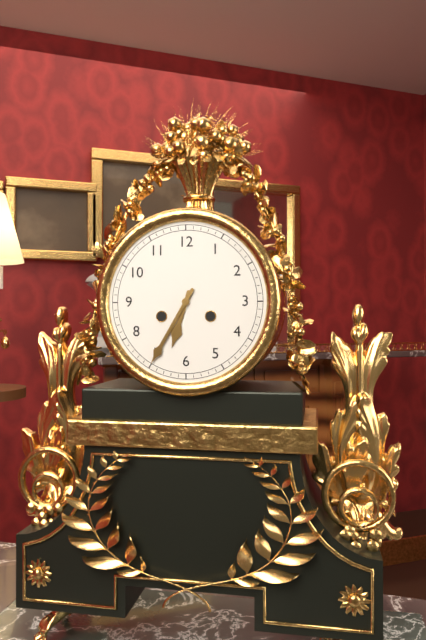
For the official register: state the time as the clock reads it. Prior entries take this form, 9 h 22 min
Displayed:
6 h 35 min
